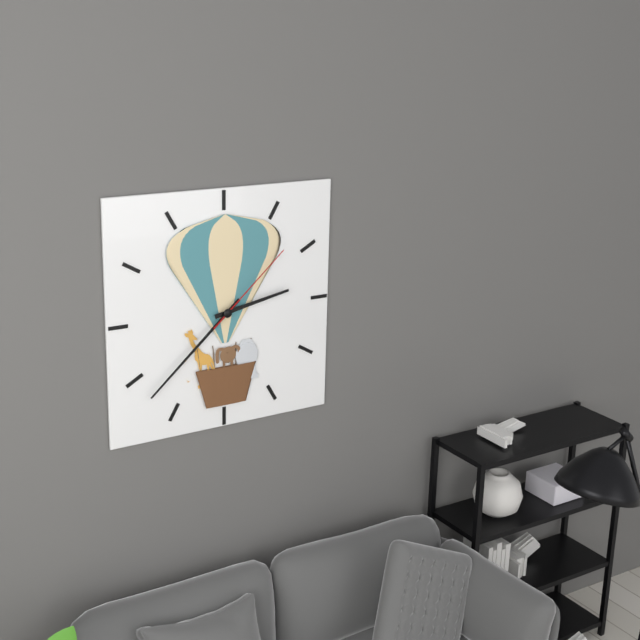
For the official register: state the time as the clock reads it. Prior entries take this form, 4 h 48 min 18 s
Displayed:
2 h 38 min 08 s
